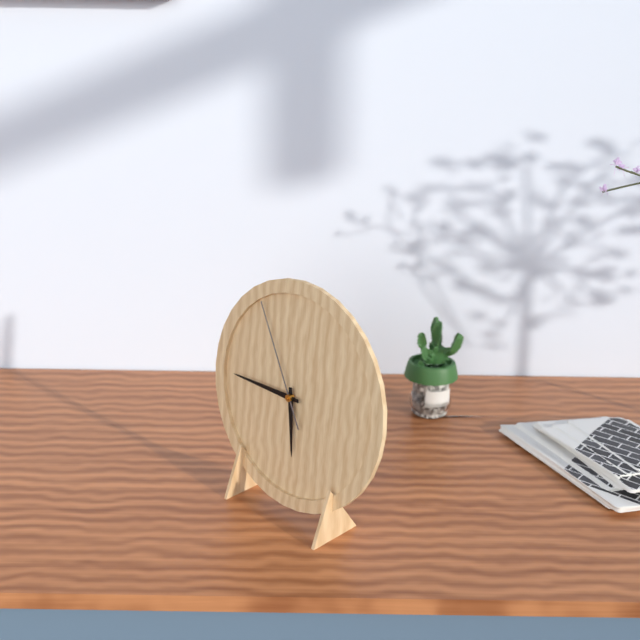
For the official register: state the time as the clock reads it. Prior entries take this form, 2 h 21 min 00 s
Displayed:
5 h 45 min 55 s
